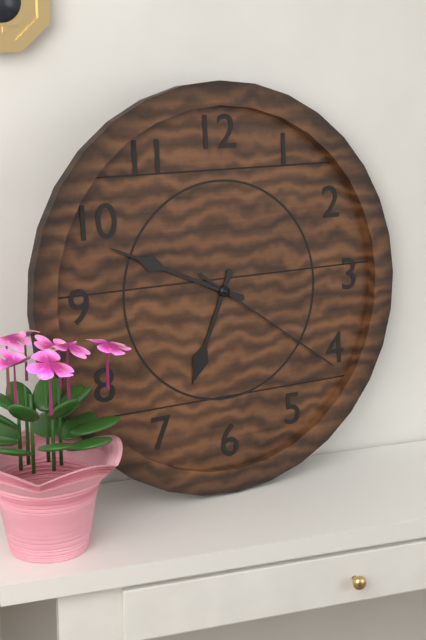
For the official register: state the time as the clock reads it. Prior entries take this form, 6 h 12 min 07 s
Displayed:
6 h 49 min 21 s
